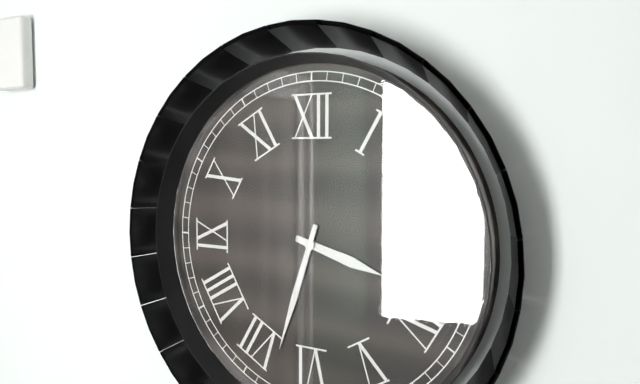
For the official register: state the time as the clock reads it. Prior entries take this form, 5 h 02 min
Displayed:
3 h 33 min
